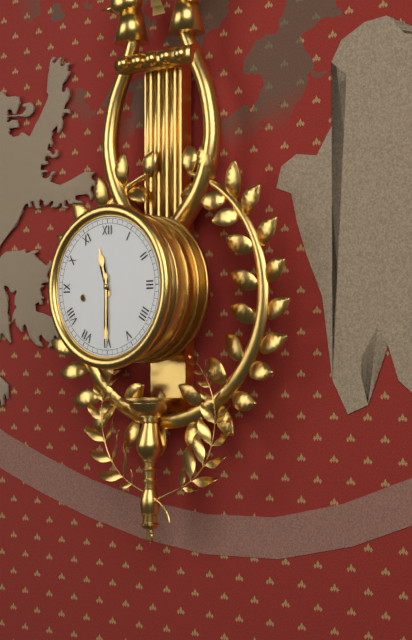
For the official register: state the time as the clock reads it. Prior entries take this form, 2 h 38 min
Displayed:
11 h 30 min
